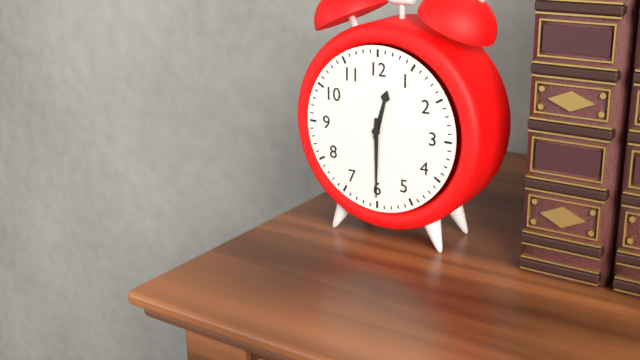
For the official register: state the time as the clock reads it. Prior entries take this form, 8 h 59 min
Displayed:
12 h 30 min
